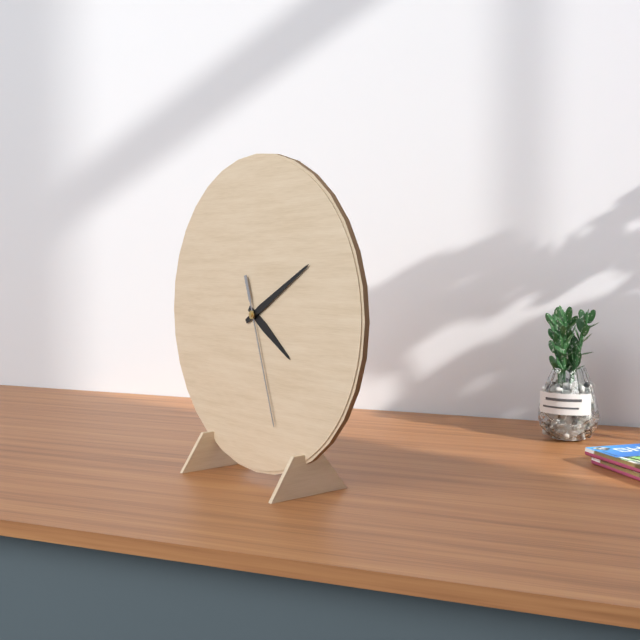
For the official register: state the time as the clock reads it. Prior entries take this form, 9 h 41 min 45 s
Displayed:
4 h 10 min 27 s
